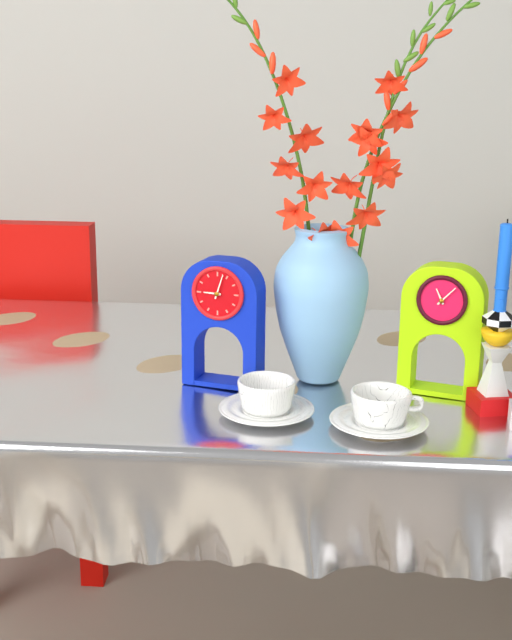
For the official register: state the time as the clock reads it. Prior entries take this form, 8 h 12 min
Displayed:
9 h 03 min
